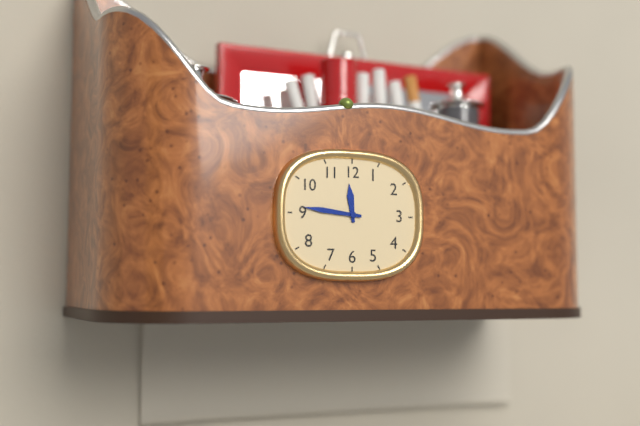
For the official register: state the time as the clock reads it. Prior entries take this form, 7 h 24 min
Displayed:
11 h 46 min
